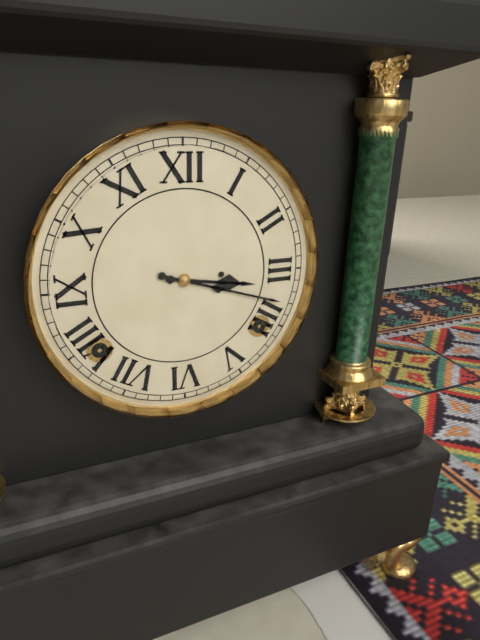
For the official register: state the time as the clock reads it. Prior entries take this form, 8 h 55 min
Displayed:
3 h 18 min
